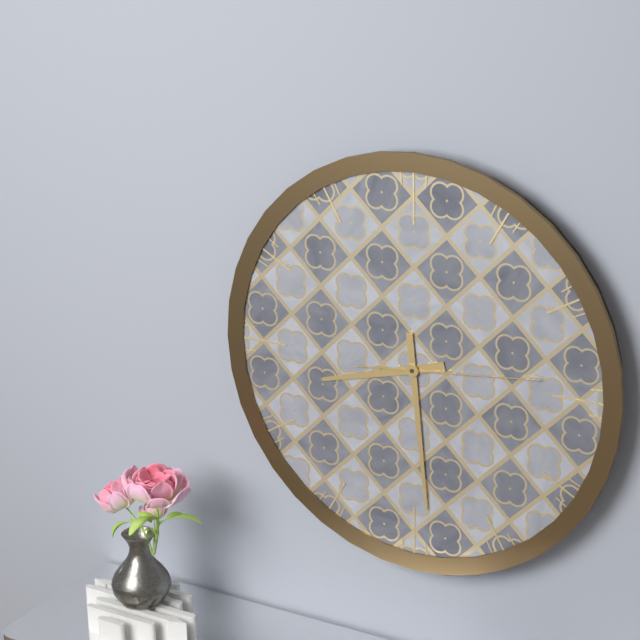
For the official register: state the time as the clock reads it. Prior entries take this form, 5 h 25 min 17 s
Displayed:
8 h 29 min 14 s
